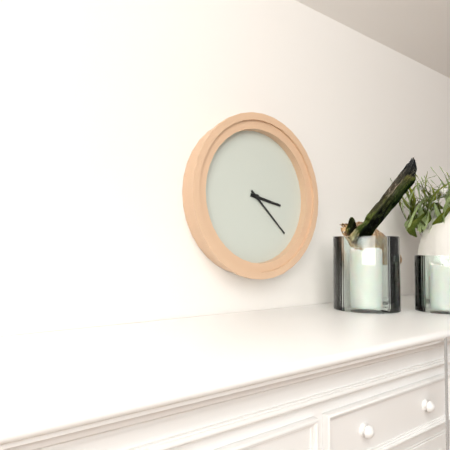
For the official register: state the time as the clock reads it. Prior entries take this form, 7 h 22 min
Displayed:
3 h 22 min
